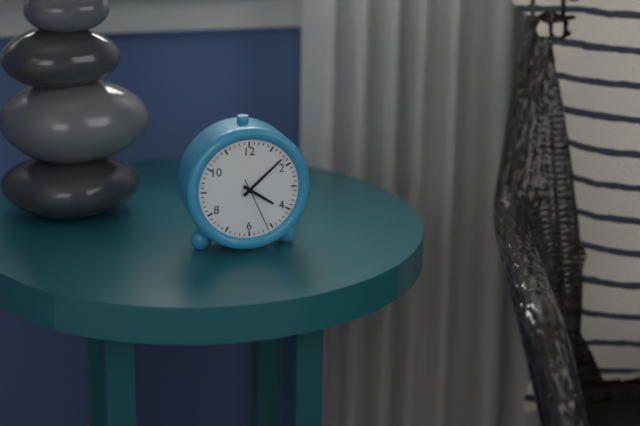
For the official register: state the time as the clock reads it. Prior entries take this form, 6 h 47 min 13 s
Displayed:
4 h 08 min 26 s
